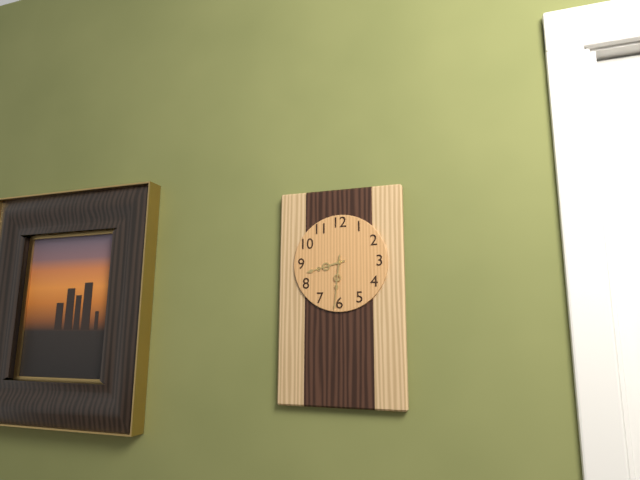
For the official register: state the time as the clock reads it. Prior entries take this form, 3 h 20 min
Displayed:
8 h 31 min
